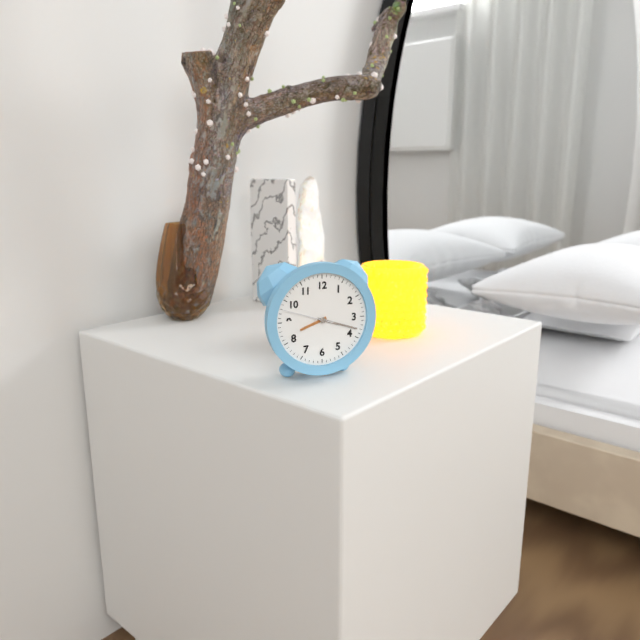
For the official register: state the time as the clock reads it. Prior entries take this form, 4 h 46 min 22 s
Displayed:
8 h 18 min 48 s
